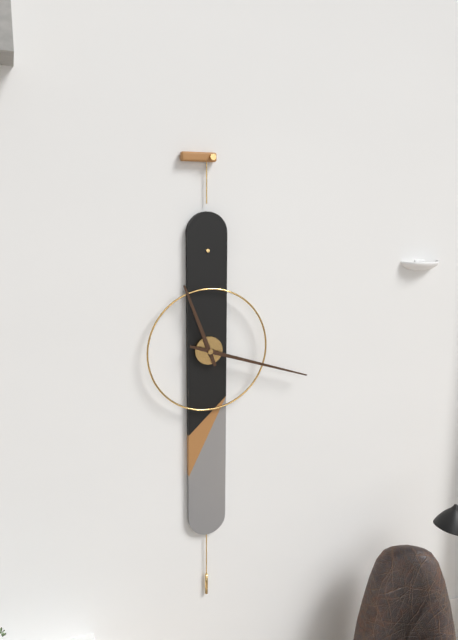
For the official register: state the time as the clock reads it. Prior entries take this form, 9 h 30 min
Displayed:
11 h 18 min
